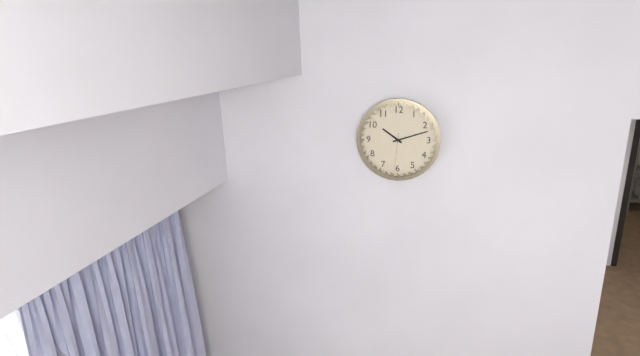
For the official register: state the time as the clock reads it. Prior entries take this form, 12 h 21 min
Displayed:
10 h 12 min
